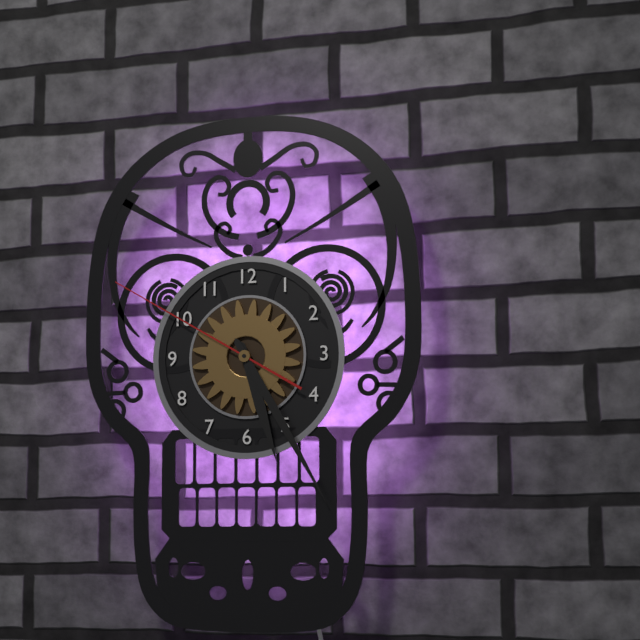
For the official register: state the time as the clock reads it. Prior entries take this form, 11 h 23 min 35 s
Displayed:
5 h 25 min 50 s
